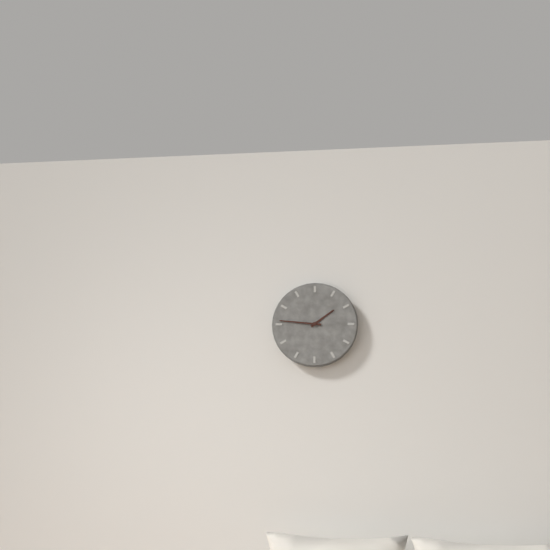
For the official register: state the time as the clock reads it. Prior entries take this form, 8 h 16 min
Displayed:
1 h 46 min
